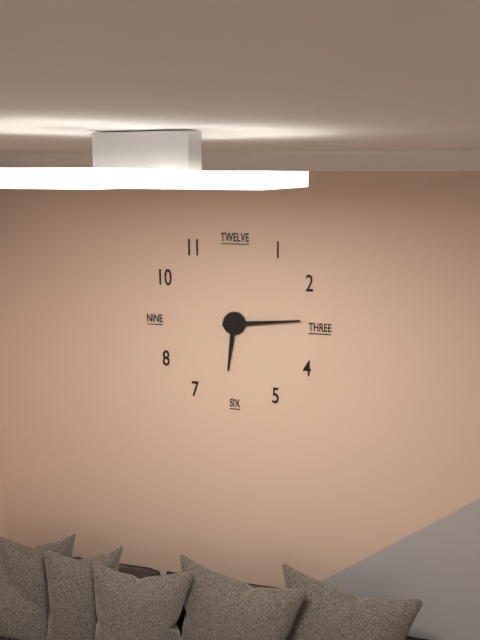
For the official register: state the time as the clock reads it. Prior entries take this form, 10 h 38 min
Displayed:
6 h 14 min
